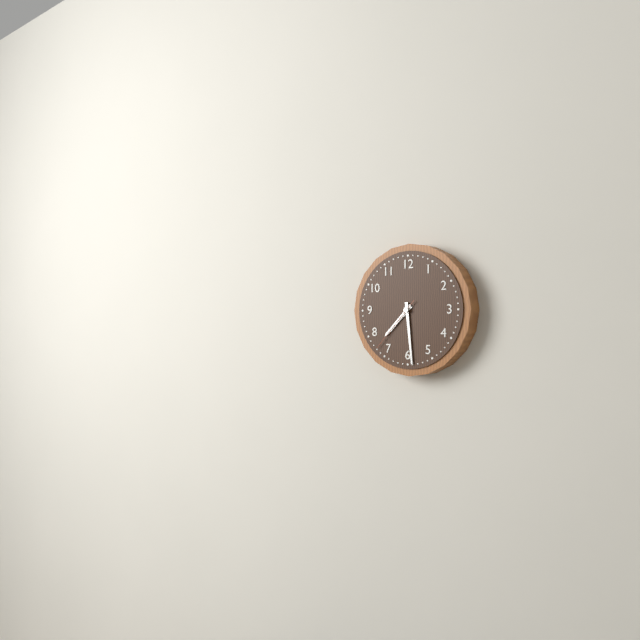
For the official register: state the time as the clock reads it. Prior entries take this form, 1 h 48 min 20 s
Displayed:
7 h 29 min 37 s
